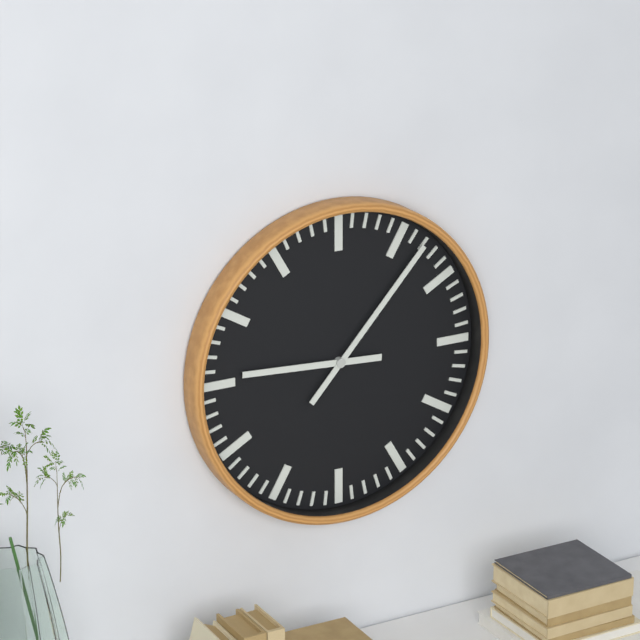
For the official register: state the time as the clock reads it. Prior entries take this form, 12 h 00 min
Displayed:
9 h 07 min
